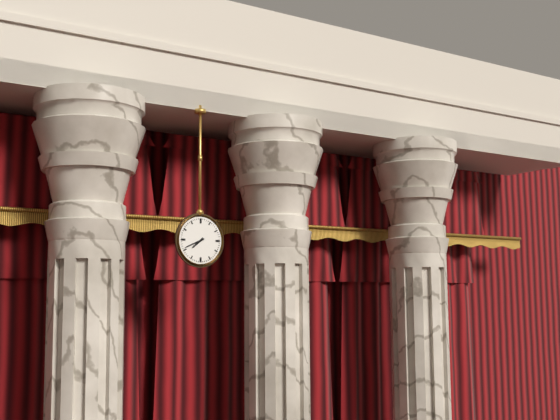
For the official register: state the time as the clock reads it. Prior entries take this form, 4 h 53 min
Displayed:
7 h 41 min
